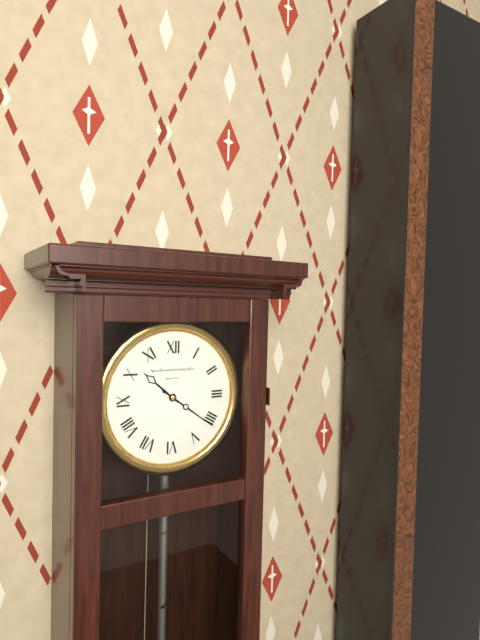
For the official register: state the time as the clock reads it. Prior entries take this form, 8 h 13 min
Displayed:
10 h 21 min
